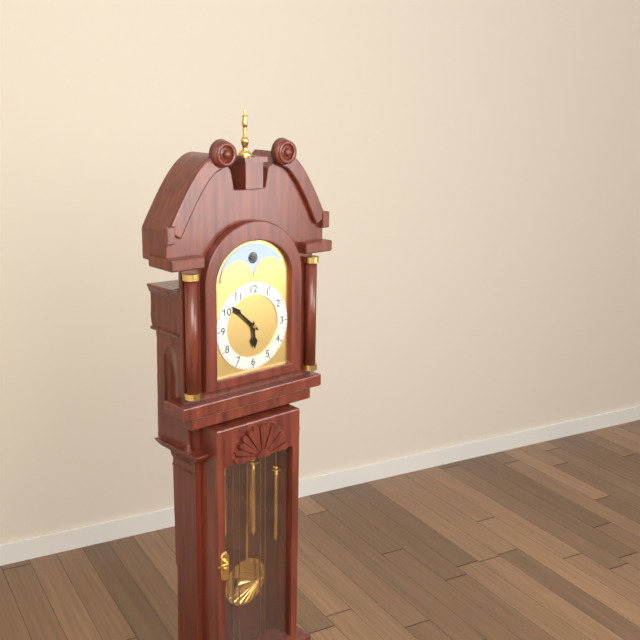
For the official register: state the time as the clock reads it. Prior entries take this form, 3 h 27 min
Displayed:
5 h 52 min
